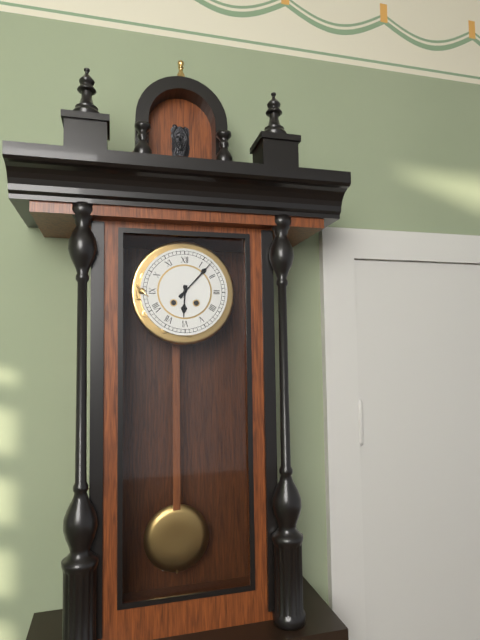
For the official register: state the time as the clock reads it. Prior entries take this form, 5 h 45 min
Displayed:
6 h 07 min
